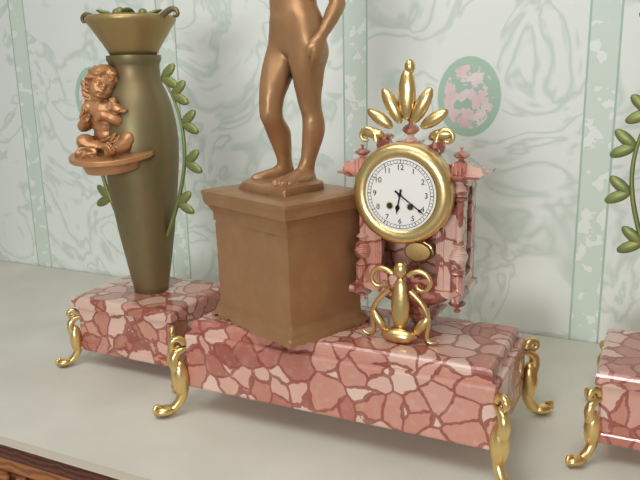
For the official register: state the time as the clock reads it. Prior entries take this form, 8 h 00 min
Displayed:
6 h 21 min
